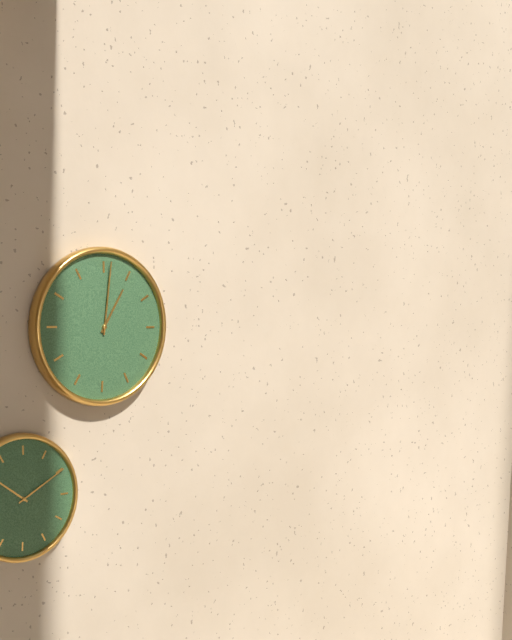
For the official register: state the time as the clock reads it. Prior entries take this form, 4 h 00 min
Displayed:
1 h 01 min
